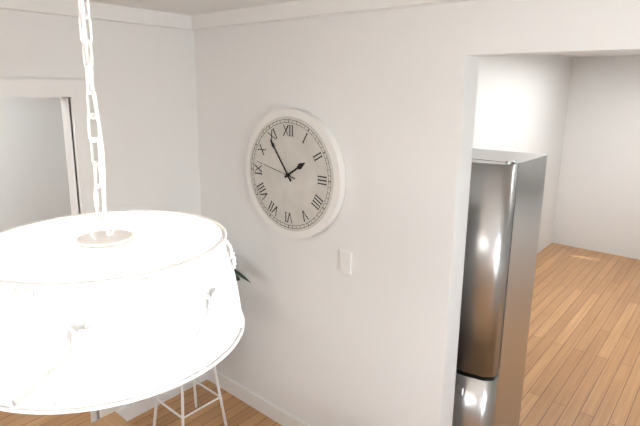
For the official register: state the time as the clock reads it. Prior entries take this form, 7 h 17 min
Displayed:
1 h 54 min
